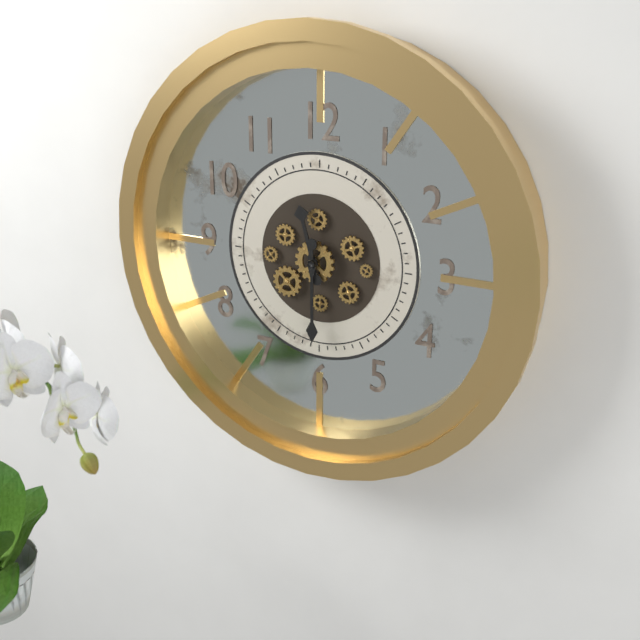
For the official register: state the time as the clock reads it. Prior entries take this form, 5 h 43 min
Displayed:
11 h 30 min
